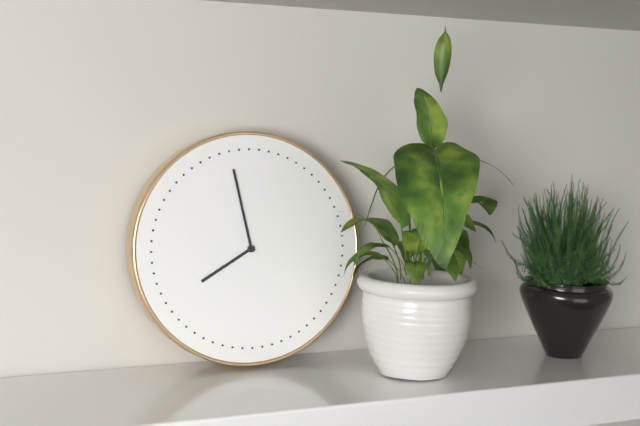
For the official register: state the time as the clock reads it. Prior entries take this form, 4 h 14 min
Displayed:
7 h 58 min
